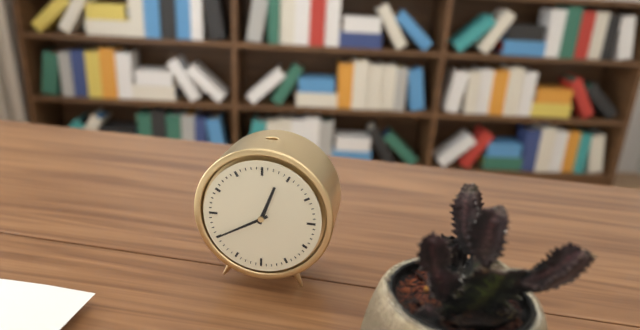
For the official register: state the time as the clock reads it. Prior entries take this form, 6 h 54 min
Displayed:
12 h 40 min
